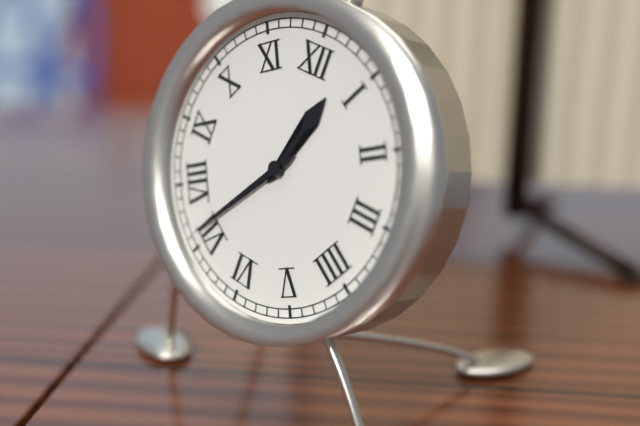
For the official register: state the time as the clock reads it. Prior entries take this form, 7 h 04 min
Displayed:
12 h 36 min
